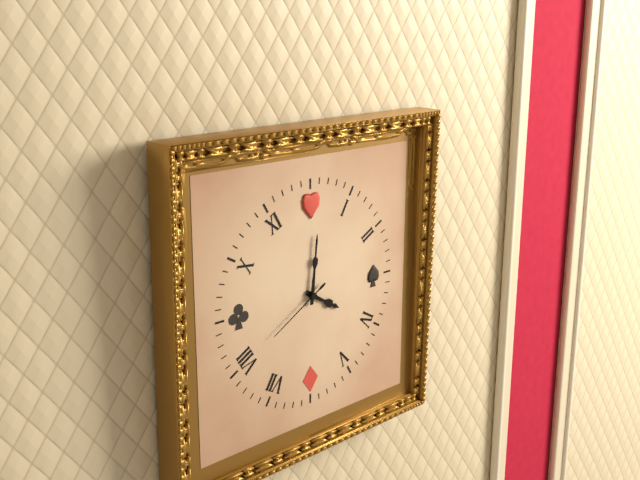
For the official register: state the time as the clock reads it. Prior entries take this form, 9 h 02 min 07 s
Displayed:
4 h 01 min 40 s
